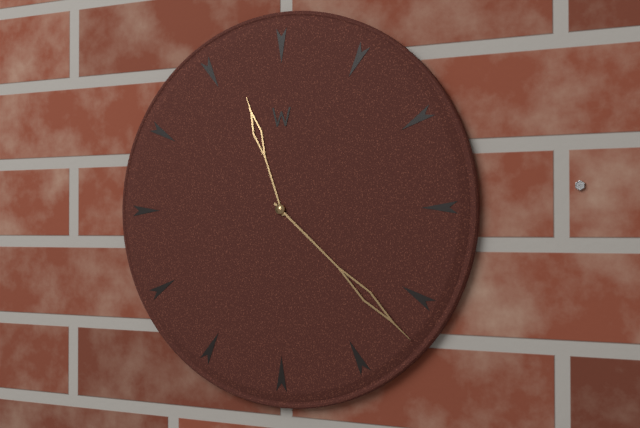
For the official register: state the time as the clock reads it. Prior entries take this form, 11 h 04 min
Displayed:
11 h 22 min
